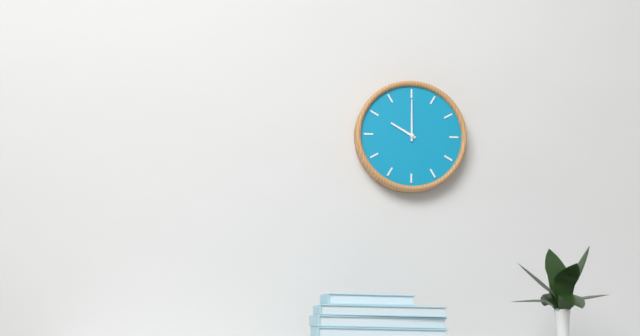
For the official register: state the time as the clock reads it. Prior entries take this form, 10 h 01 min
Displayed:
10 h 00 min
